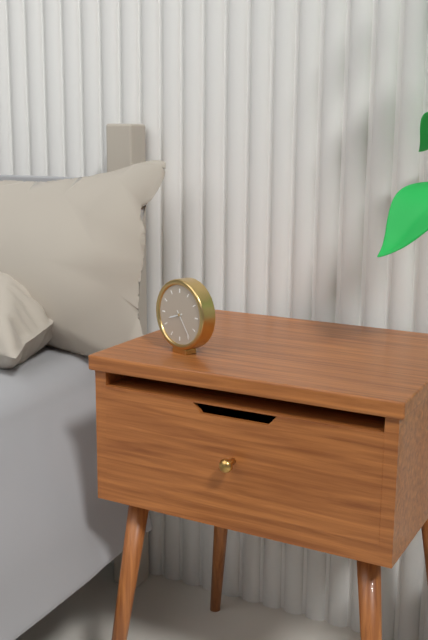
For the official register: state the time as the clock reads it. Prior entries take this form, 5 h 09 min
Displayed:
8 h 24 min
